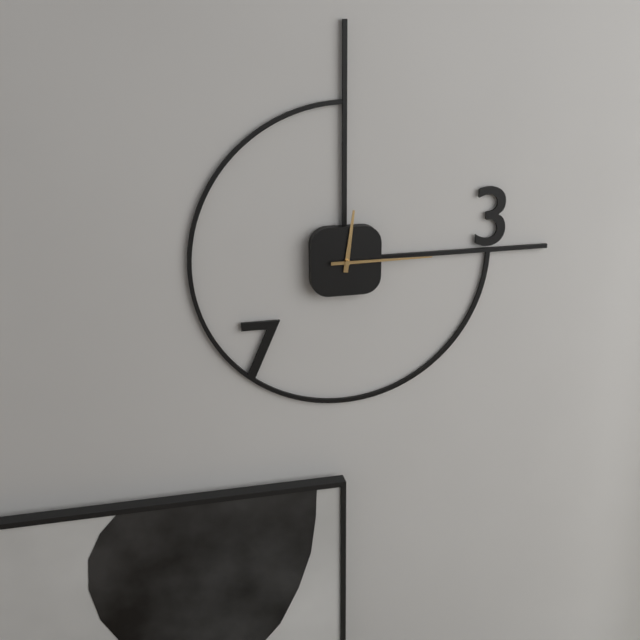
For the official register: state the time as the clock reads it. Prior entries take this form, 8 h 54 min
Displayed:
12 h 15 min
